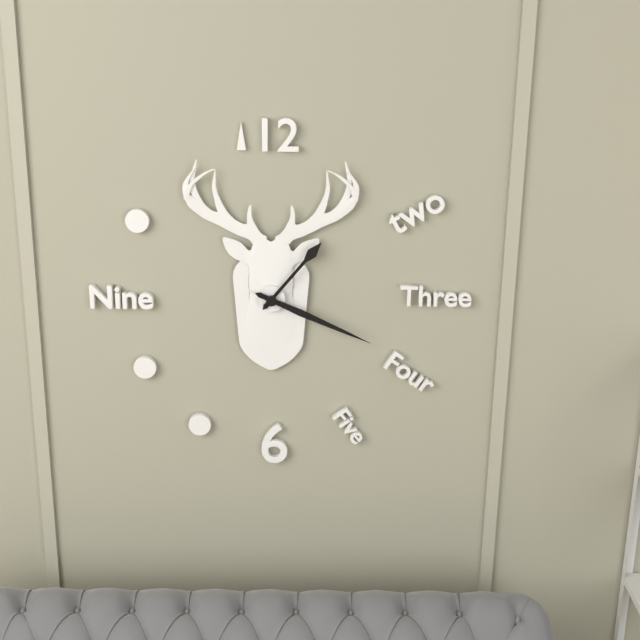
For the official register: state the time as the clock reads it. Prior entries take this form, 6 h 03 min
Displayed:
1 h 19 min
